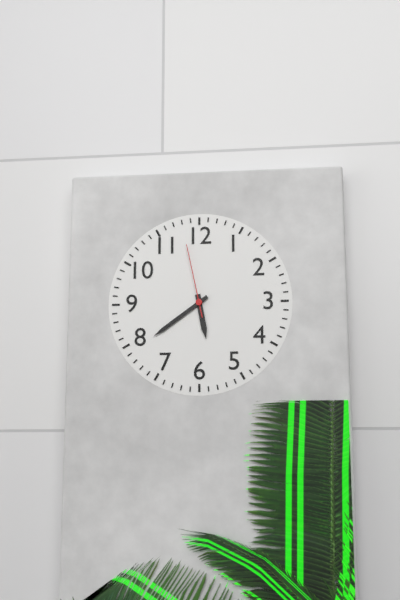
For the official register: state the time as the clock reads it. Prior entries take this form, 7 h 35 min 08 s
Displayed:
5 h 39 min 58 s
